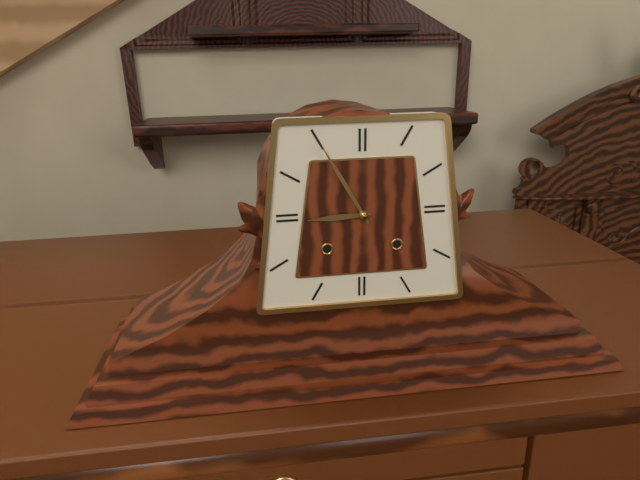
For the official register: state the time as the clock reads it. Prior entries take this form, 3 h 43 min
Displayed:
8 h 55 min
